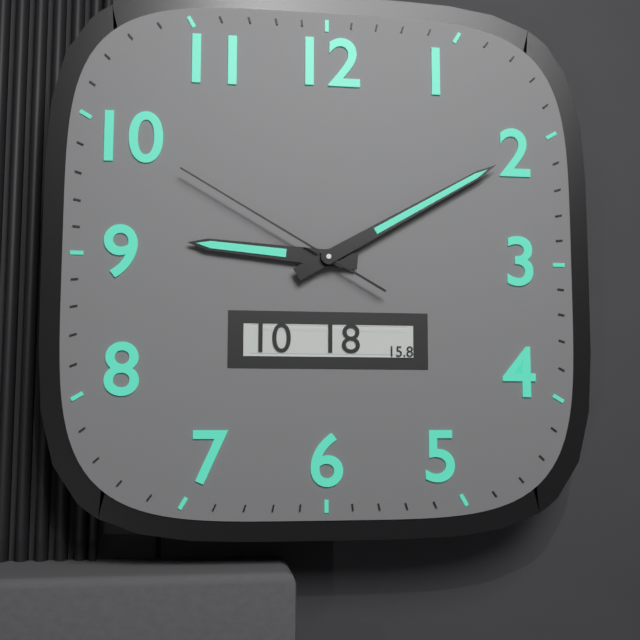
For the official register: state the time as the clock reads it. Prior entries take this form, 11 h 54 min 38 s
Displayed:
9 h 10 min 50 s
